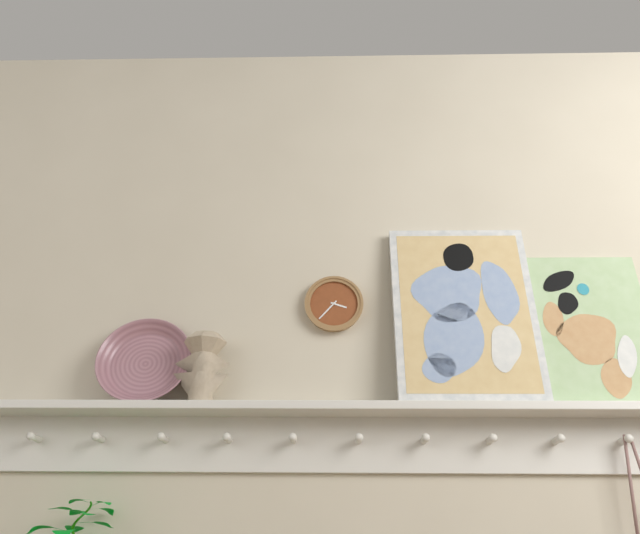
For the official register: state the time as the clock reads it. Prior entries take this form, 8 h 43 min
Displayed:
3 h 37 min
